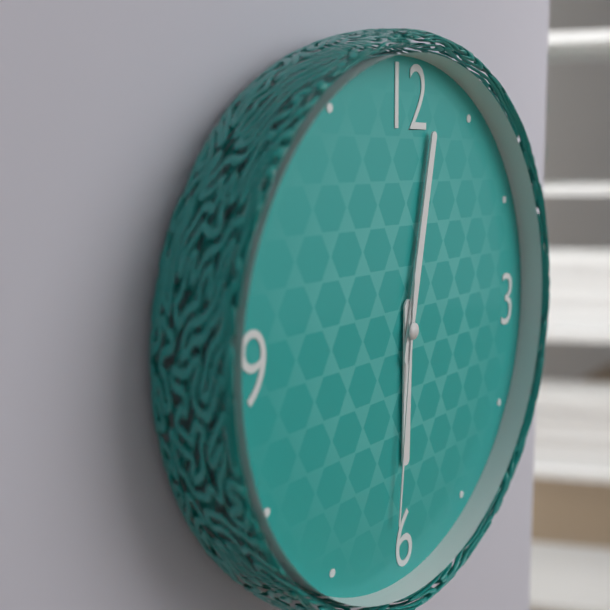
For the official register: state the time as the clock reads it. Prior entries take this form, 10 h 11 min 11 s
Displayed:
6 h 02 min 31 s
